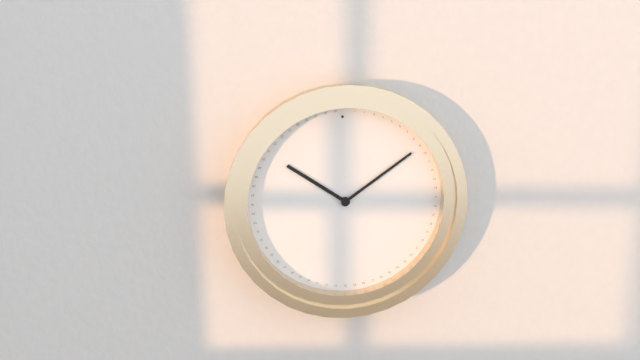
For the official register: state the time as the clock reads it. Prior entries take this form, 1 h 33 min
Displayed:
10 h 09 min
